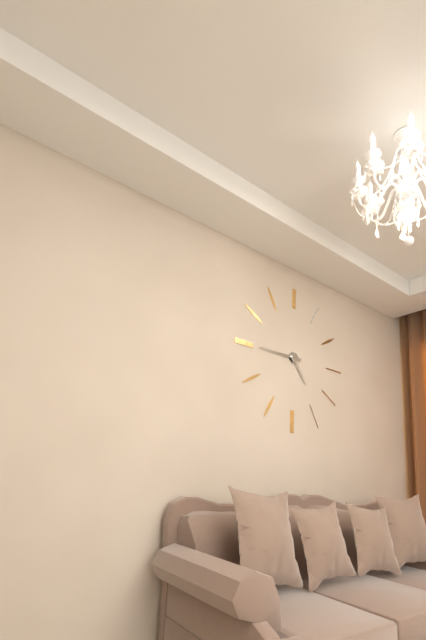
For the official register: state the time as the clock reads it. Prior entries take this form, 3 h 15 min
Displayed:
4 h 45 min
